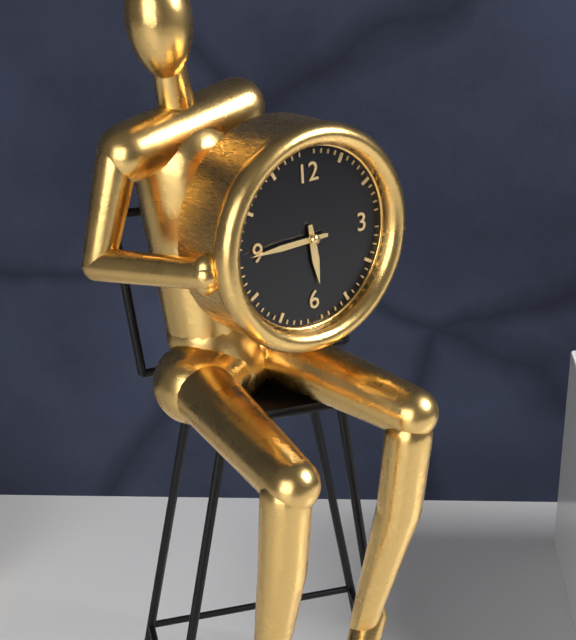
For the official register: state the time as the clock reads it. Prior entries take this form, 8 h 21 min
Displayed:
5 h 45 min
